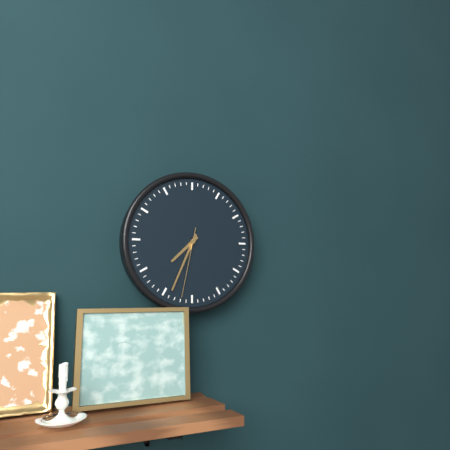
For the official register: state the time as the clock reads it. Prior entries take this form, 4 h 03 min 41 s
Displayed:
7 h 34 min 32 s
